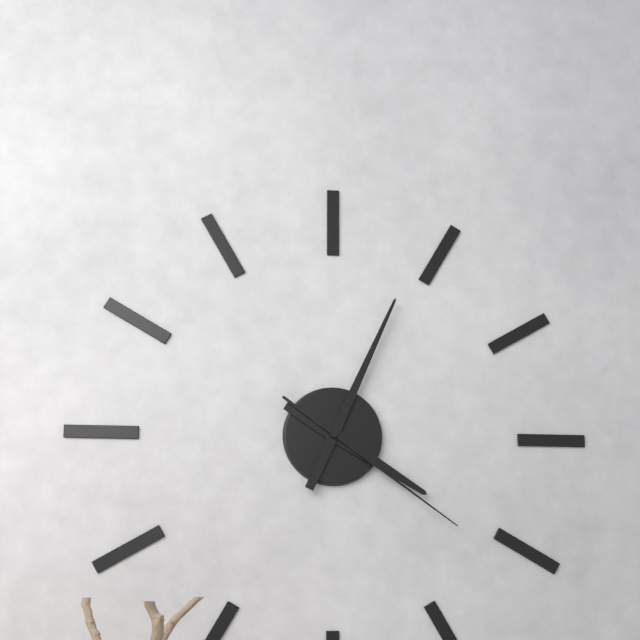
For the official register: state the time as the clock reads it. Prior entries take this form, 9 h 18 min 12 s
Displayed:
4 h 04 min 21 s
